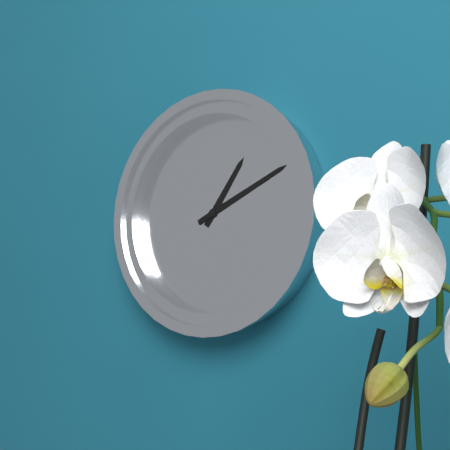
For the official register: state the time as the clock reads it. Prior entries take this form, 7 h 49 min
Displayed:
1 h 11 min
